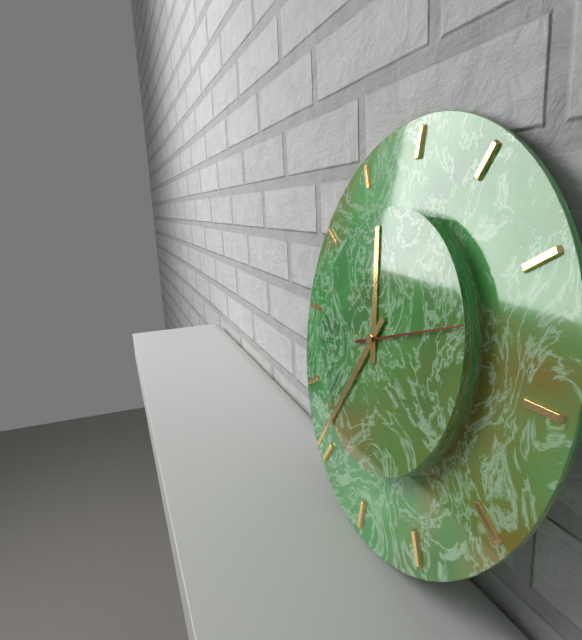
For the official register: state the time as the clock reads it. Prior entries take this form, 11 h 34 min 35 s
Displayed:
11 h 35 min 12 s
